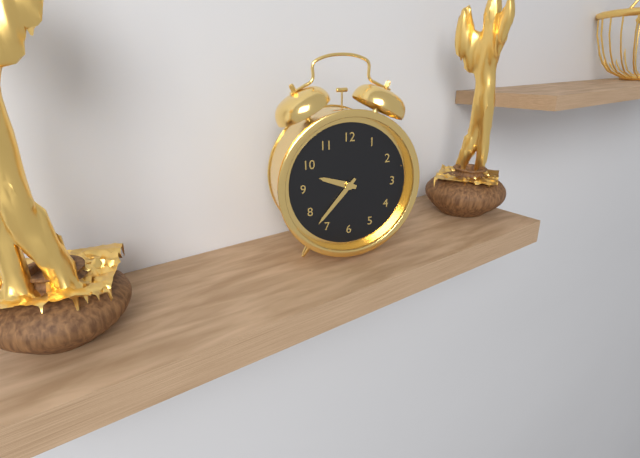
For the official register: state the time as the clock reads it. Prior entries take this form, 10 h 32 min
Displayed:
9 h 37 min
